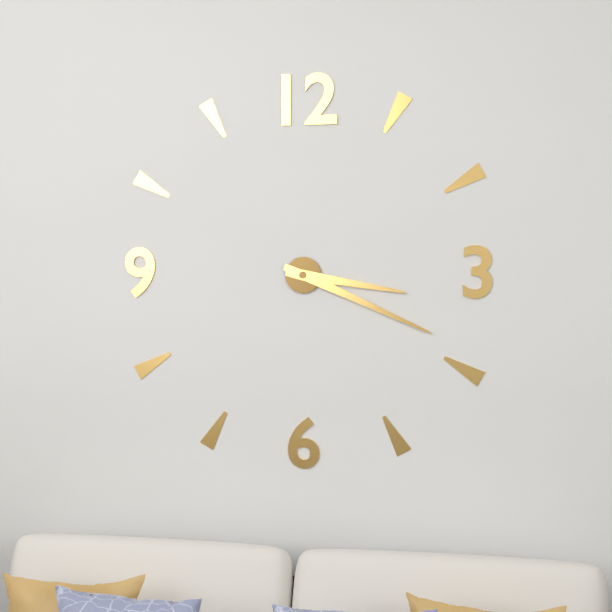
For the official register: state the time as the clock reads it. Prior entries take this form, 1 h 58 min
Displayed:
3 h 19 min
